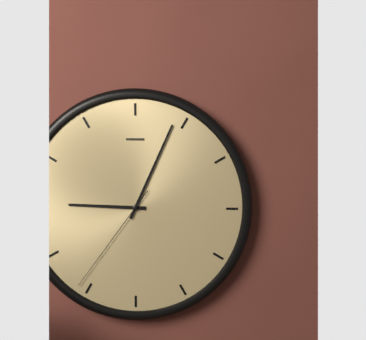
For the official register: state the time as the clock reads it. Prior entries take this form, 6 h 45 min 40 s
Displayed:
9 h 04 min 36 s
